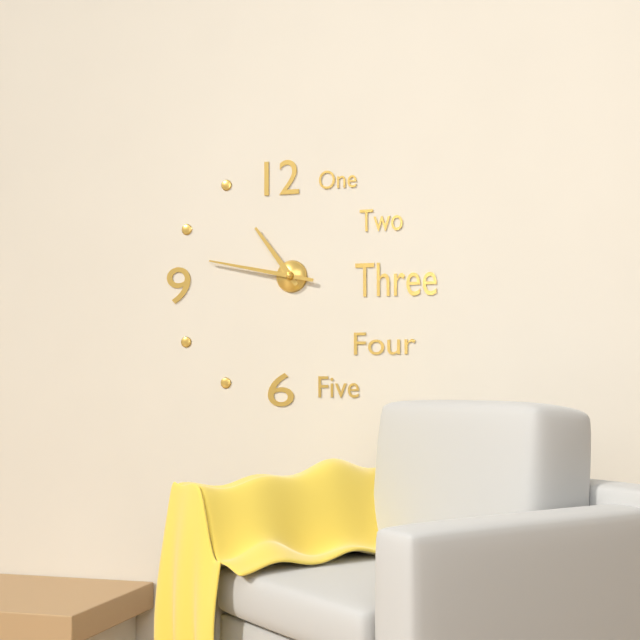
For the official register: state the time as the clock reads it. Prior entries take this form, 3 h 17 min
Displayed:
10 h 47 min
